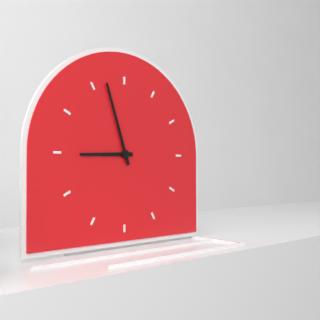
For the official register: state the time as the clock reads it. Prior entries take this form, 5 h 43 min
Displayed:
8 h 57 min
